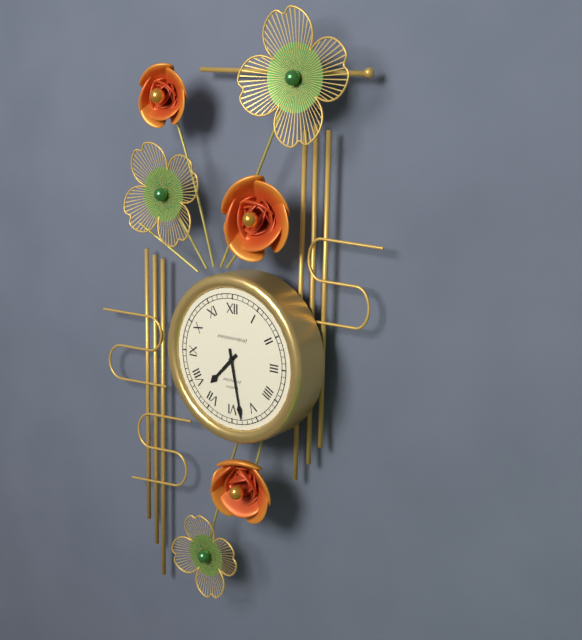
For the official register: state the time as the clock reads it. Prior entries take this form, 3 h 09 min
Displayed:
7 h 28 min
